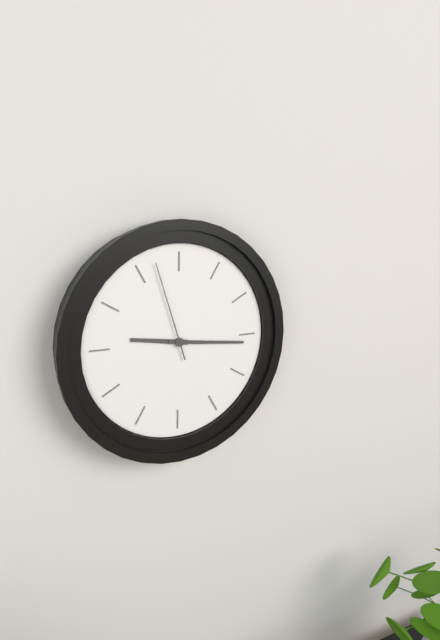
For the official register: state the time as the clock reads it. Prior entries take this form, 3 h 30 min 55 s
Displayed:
9 h 16 min 57 s
